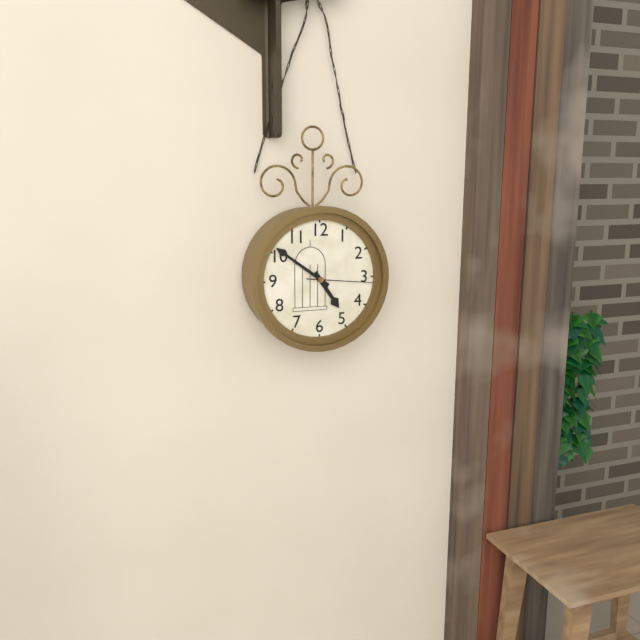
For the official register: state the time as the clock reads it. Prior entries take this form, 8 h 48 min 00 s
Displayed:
4 h 51 min 16 s
